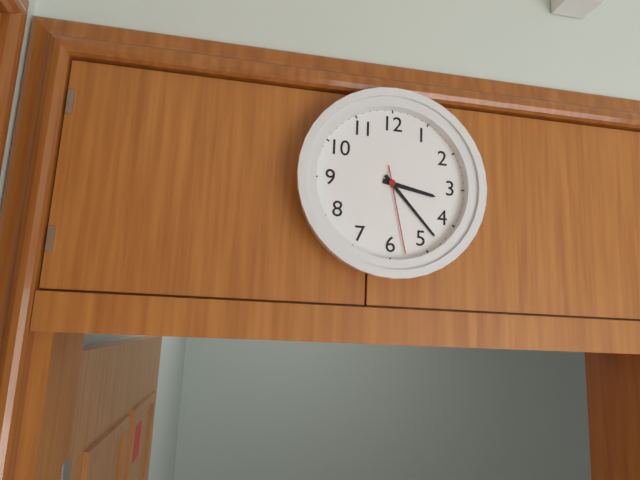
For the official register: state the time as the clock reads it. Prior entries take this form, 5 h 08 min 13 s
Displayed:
3 h 23 min 28 s
